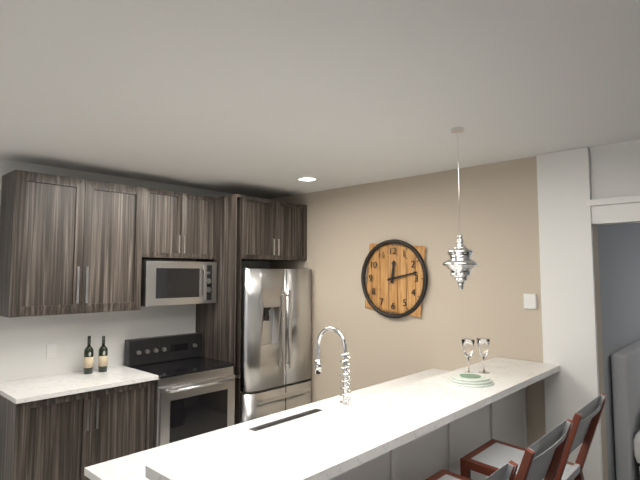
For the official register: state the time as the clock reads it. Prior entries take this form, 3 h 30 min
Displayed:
12 h 13 min
